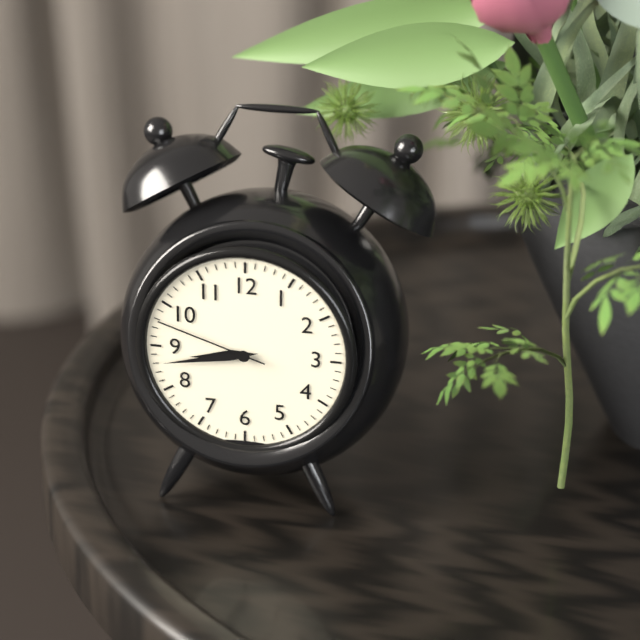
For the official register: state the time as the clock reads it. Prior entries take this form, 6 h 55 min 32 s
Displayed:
8 h 43 min 48 s
